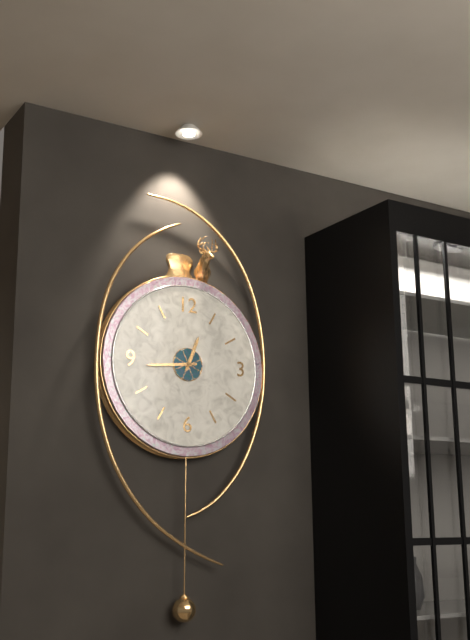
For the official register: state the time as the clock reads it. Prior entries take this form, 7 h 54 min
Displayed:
12 h 44 min
